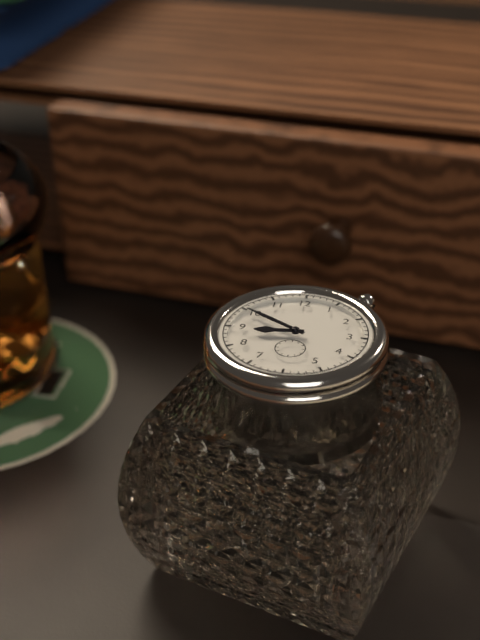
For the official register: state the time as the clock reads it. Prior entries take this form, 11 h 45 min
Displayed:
8 h 50 min
